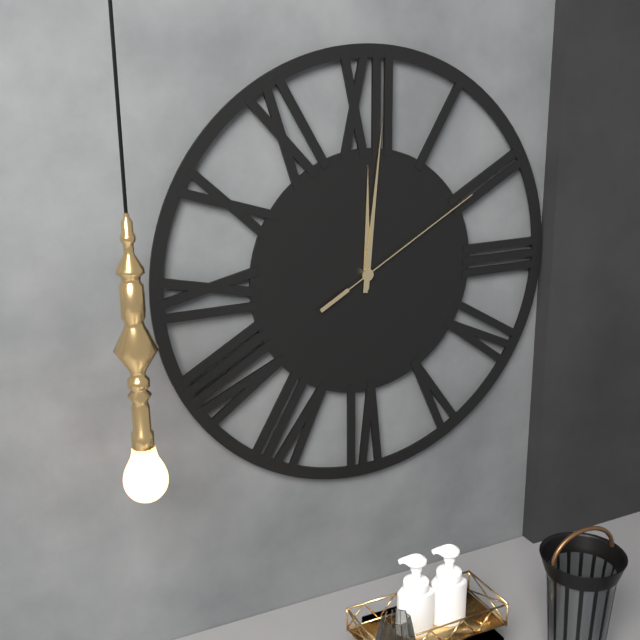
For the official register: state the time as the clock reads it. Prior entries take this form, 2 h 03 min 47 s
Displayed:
12 h 01 min 10 s
